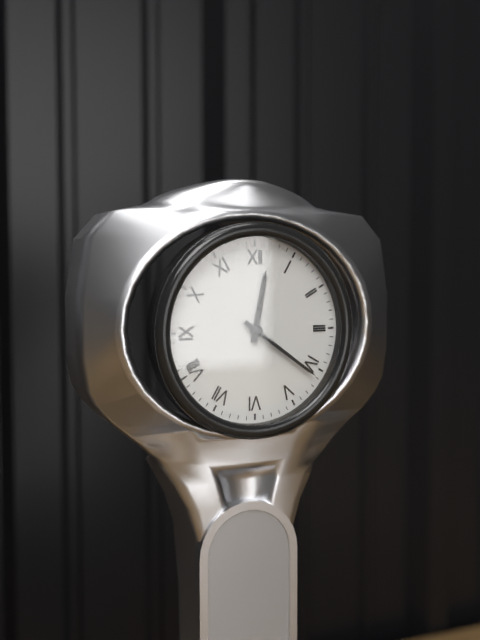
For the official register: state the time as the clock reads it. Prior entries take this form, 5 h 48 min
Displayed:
12 h 21 min
